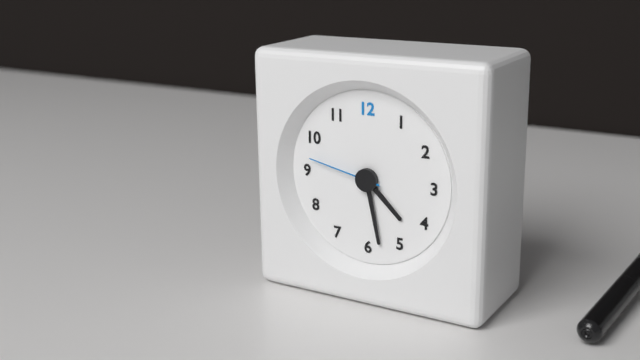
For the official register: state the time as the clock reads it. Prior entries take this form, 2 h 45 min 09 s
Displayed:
4 h 28 min 47 s
